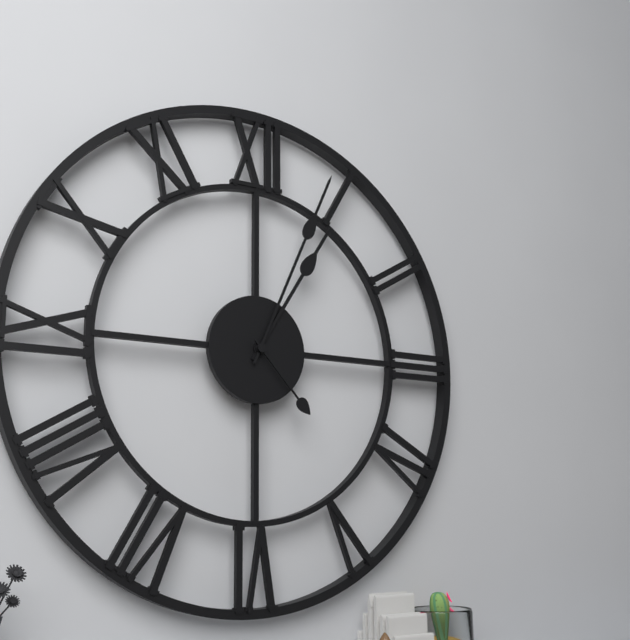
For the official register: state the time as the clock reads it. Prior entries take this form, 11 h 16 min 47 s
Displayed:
1 h 04 min 23 s
